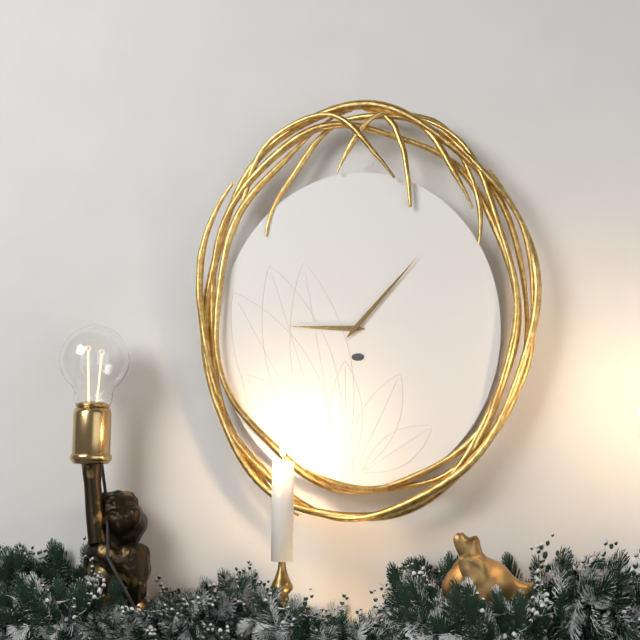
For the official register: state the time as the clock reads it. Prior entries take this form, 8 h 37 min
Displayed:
9 h 07 min
